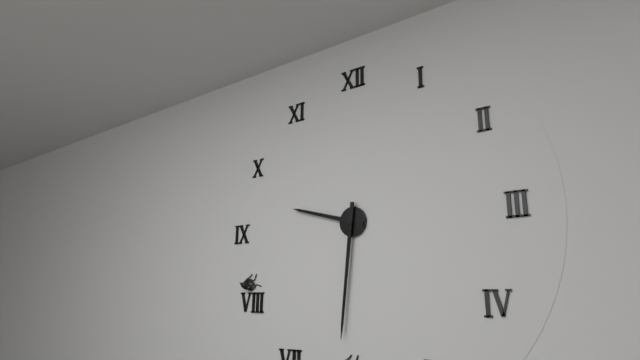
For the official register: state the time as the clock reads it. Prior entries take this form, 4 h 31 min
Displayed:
9 h 31 min
